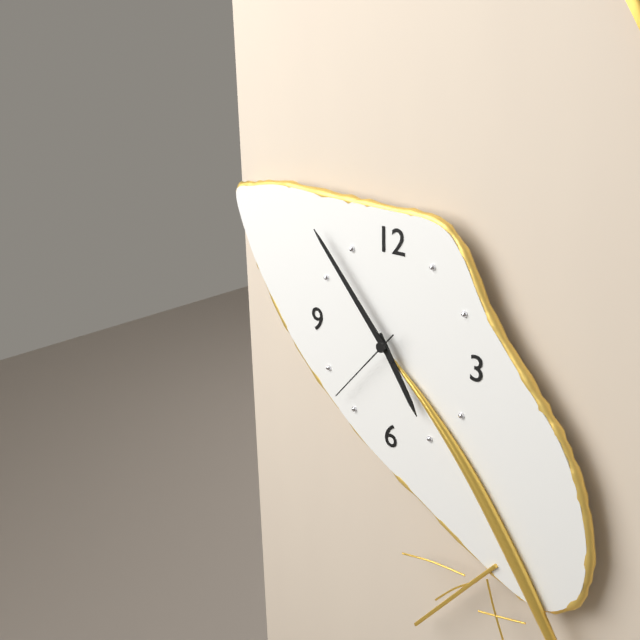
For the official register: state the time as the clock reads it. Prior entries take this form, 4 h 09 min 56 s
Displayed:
4 h 53 min 37 s
